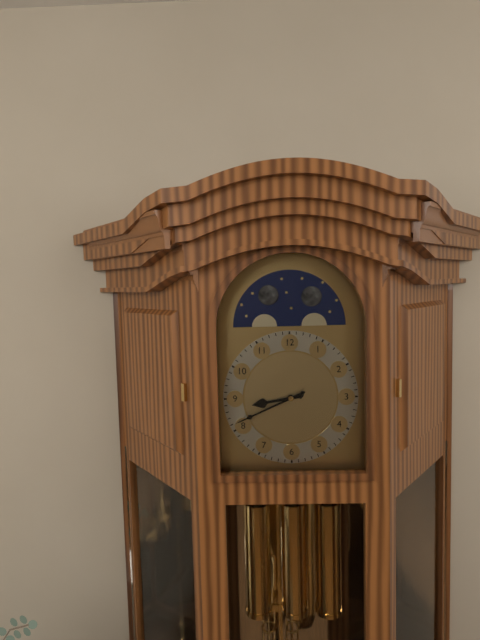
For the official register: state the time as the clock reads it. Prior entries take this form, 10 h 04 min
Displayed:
8 h 41 min
